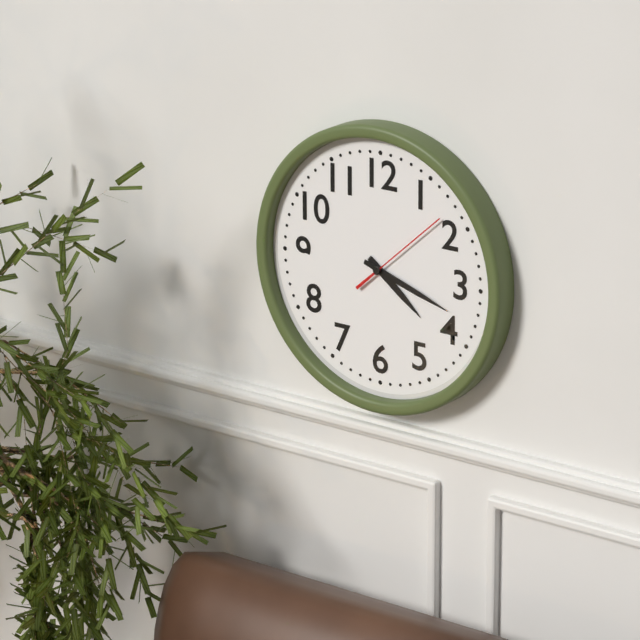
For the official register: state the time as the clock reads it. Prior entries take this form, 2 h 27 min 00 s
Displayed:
4 h 18 min 08 s
